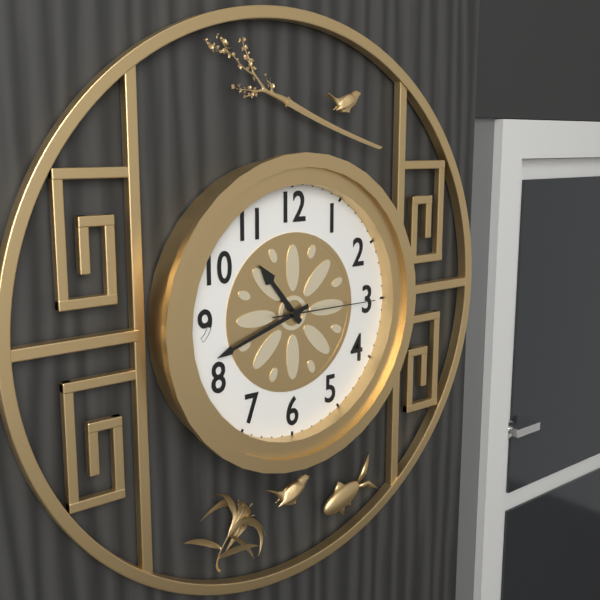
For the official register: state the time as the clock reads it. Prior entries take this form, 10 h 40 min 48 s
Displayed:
10 h 42 min 15 s
